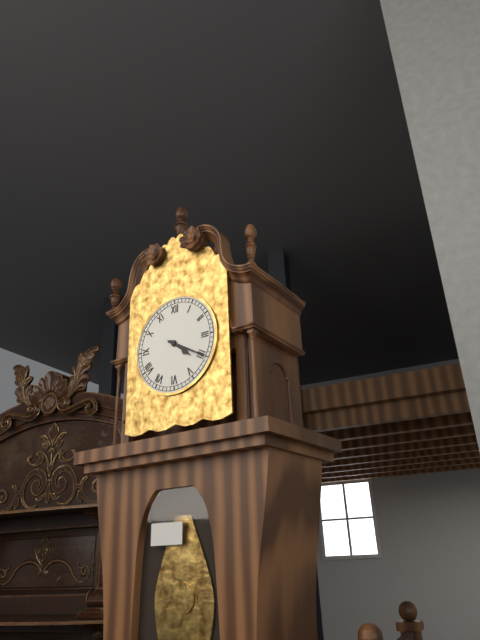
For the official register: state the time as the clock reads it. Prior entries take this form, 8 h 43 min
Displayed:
4 h 20 min
